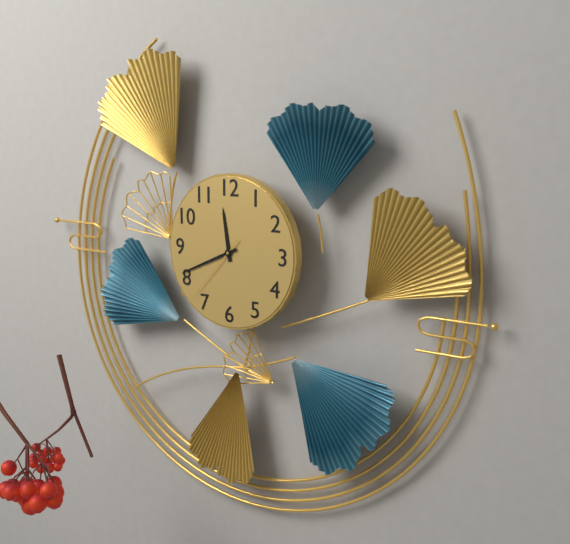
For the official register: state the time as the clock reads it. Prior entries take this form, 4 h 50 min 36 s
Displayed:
11 h 41 min 37 s
